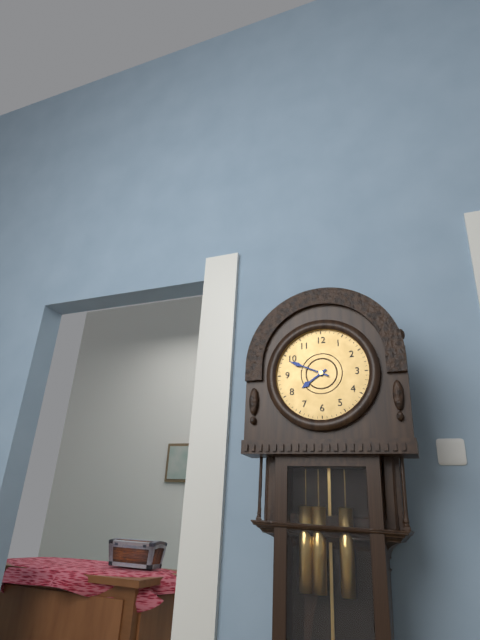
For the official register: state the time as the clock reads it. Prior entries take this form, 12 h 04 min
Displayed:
7 h 49 min
